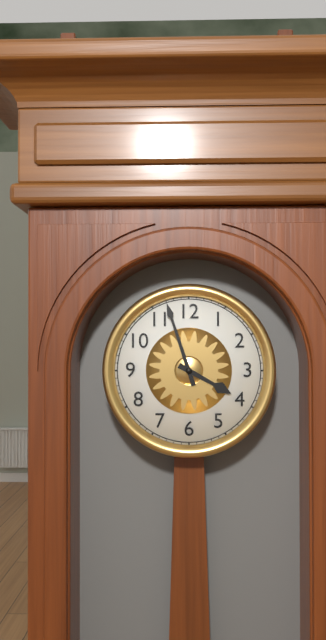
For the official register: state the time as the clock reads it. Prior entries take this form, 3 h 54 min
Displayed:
3 h 57 min
